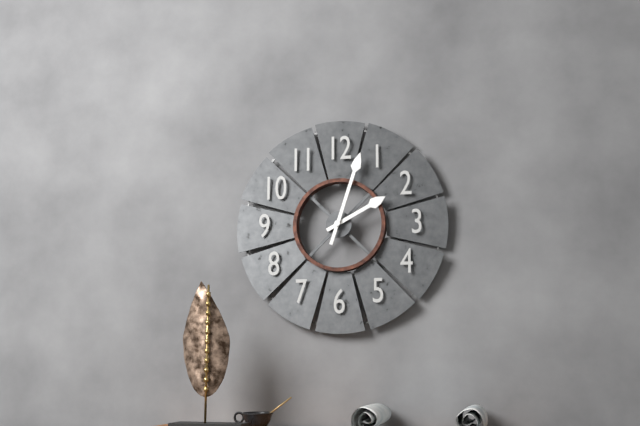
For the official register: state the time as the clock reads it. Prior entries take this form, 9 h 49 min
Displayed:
2 h 03 min
